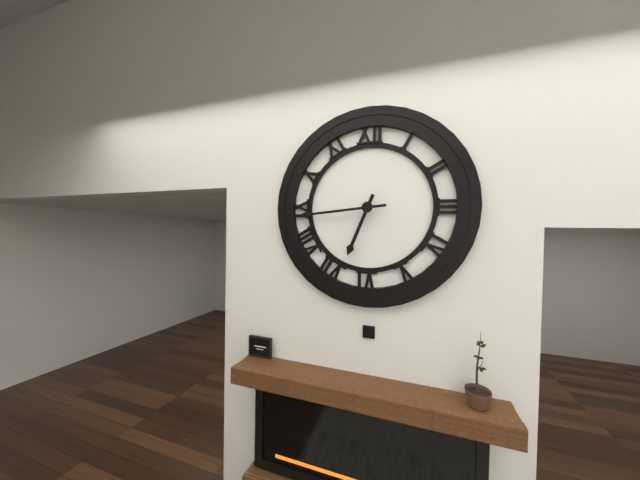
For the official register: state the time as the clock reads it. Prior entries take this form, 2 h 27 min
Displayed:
6 h 44 min
